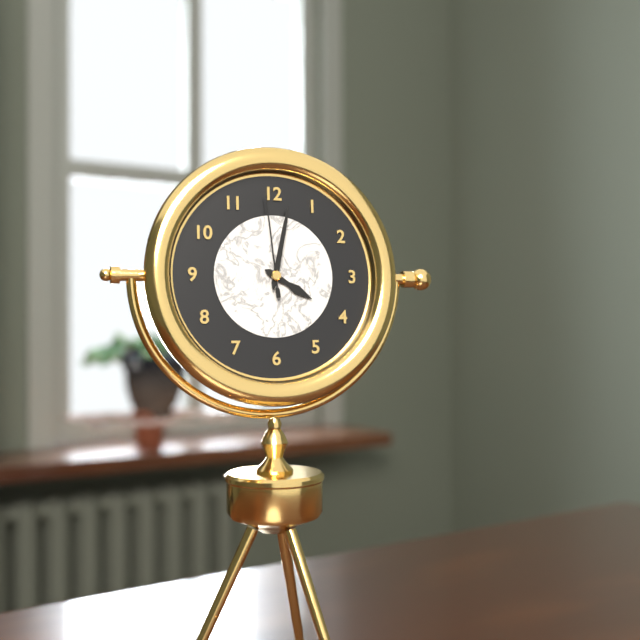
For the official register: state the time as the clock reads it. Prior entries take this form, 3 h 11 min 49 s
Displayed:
4 h 02 min 59 s
